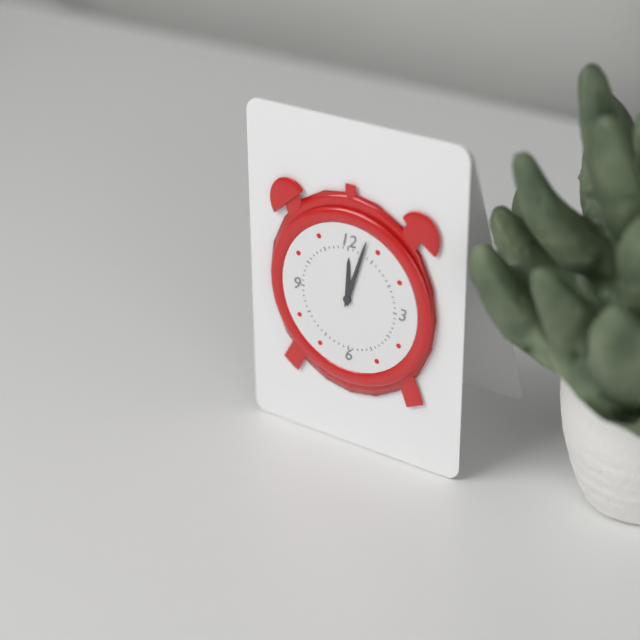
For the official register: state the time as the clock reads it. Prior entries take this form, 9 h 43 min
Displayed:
12 h 03 min
